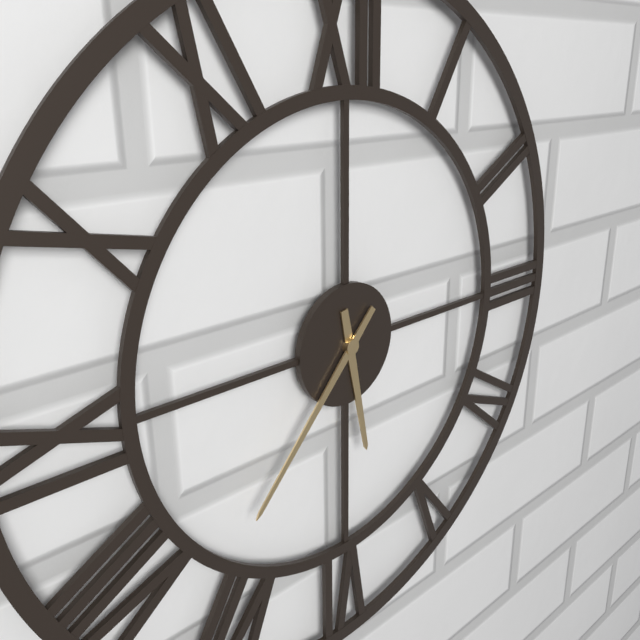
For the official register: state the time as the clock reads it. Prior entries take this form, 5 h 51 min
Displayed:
5 h 37 min
